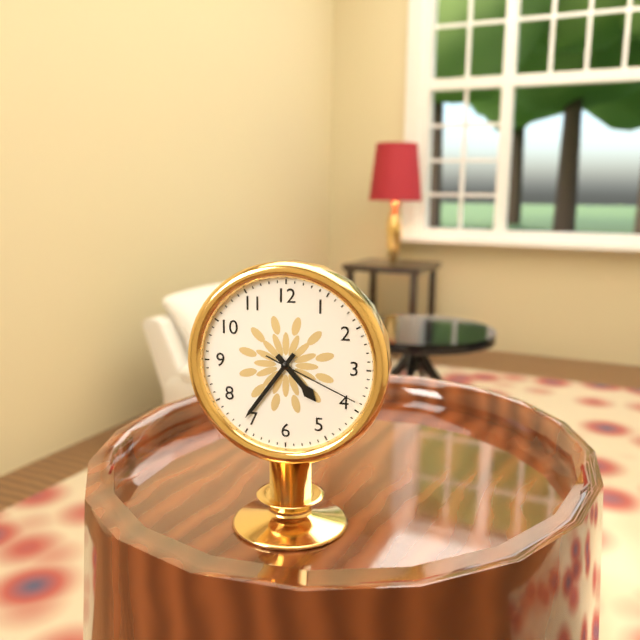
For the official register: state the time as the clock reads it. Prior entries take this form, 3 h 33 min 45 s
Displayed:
4 h 36 min 19 s
